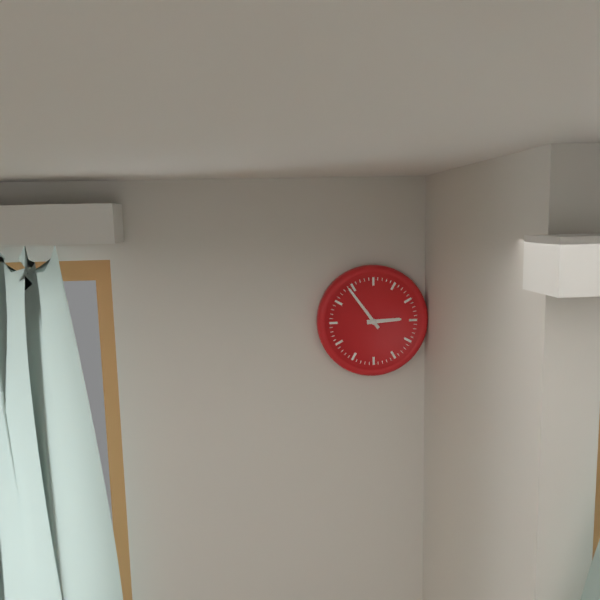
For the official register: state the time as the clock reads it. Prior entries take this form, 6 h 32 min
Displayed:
2 h 54 min
